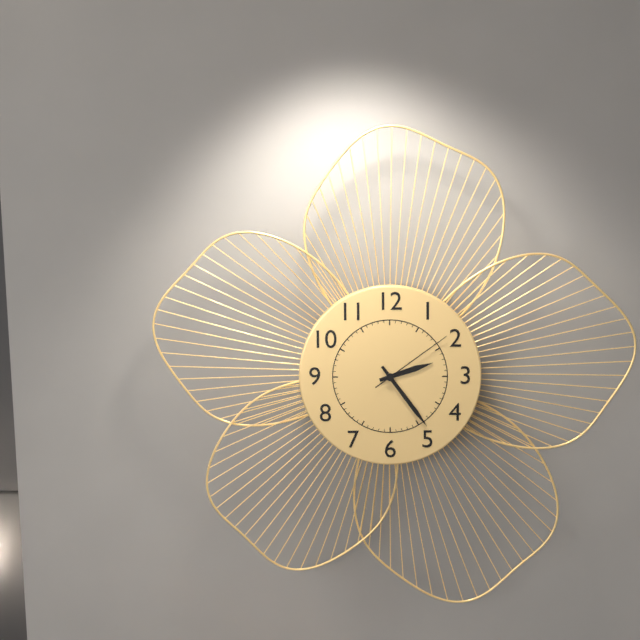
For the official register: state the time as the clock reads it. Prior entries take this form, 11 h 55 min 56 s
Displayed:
2 h 24 min 09 s
